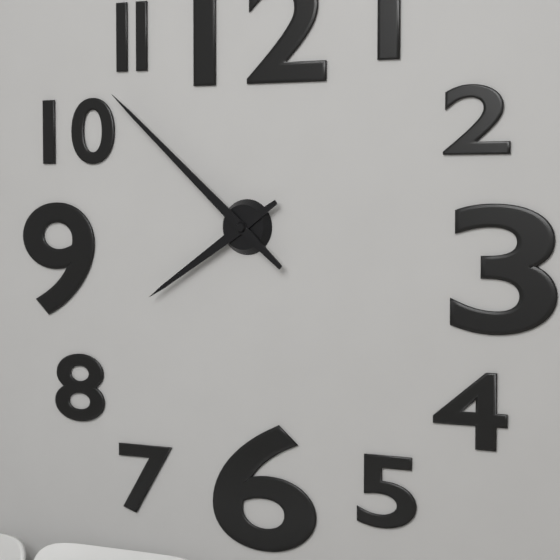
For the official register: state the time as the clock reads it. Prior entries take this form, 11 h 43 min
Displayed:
7 h 52 min
